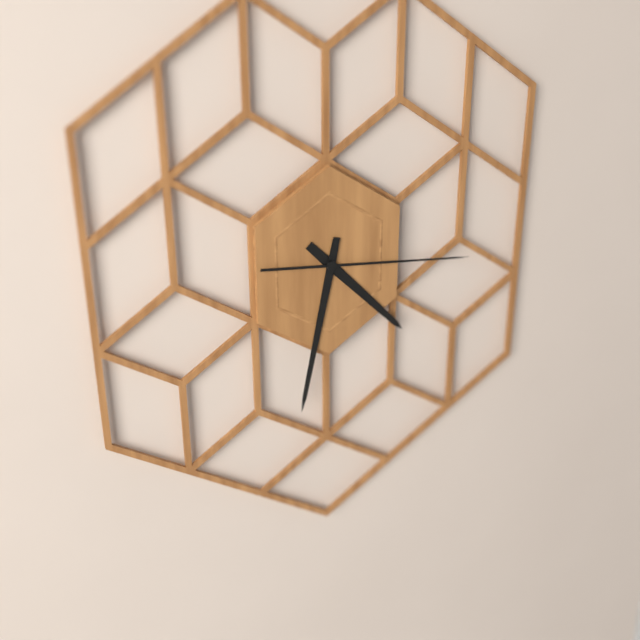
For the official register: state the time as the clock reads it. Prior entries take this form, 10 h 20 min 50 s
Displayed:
4 h 32 min 16 s
